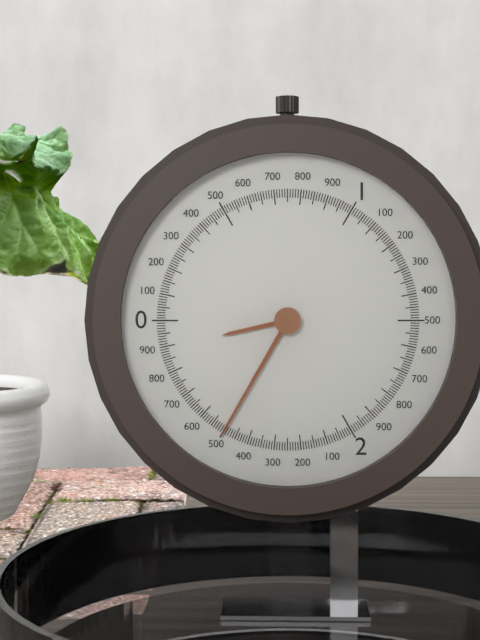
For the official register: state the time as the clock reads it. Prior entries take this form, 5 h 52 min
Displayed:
8 h 35 min
